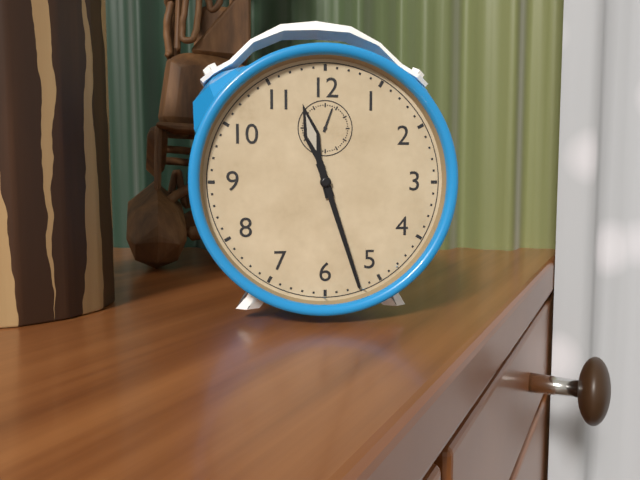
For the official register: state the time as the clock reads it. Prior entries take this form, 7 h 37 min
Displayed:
11 h 27 min
